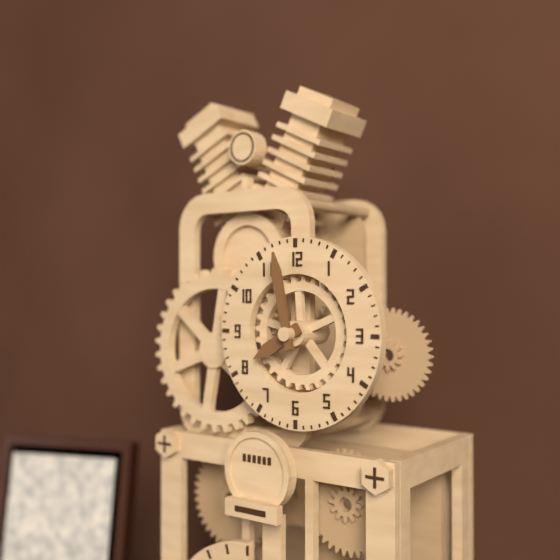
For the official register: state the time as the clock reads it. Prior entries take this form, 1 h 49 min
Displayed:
7 h 58 min
